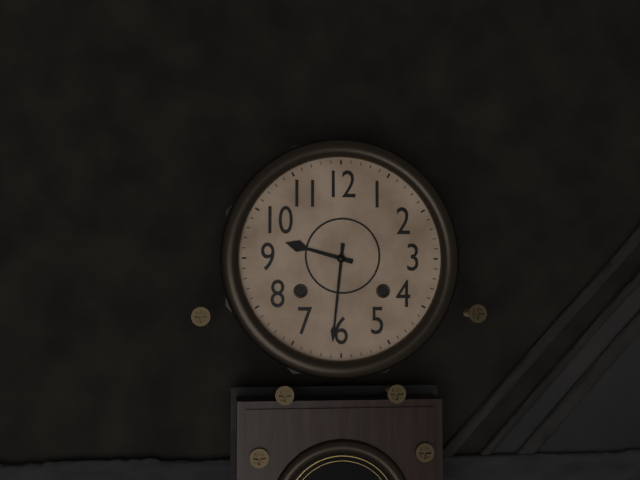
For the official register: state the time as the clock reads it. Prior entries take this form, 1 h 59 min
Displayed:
9 h 31 min
